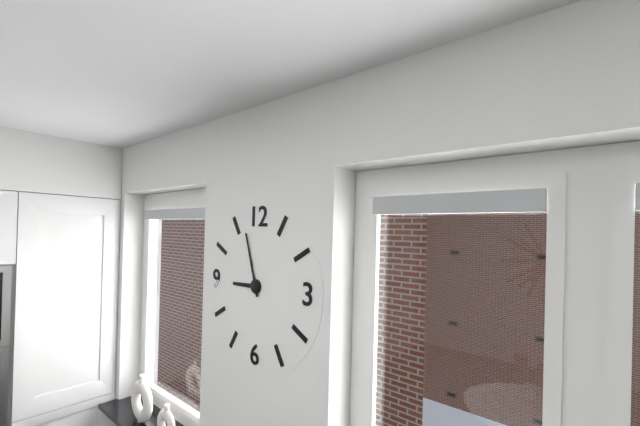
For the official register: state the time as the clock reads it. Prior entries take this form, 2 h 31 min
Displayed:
8 h 57 min
